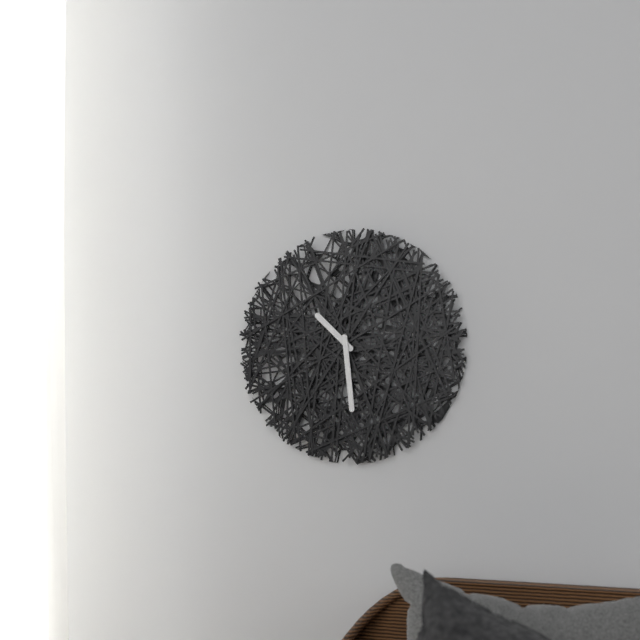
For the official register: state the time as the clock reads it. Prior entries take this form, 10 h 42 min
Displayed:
10 h 29 min
